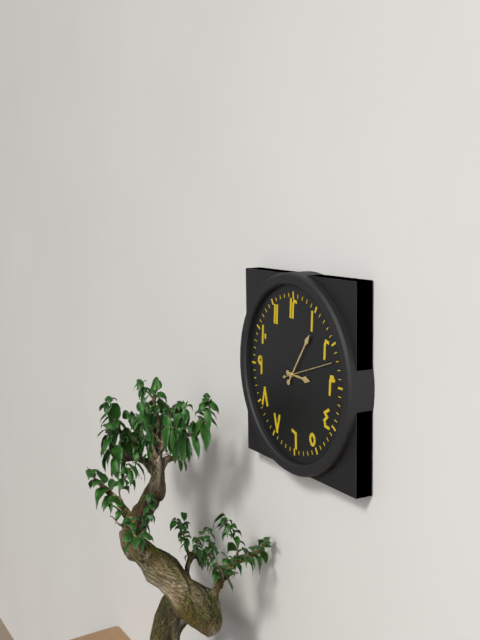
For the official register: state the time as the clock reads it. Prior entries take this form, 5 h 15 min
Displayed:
3 h 06 min
